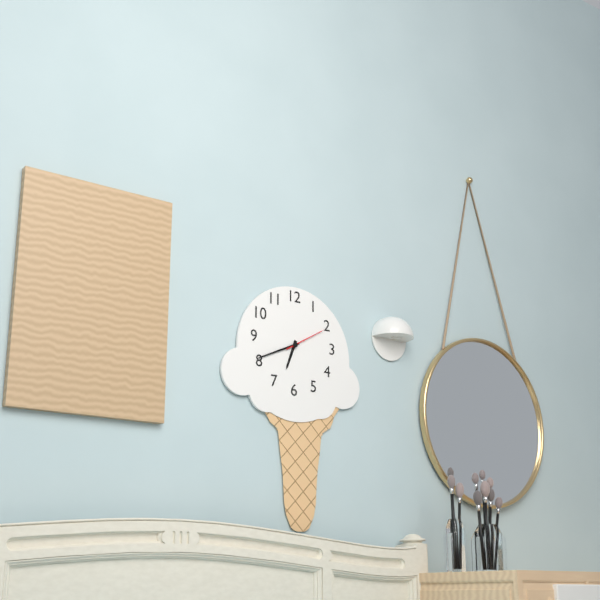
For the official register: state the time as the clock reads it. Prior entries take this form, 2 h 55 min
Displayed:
6 h 41 min
